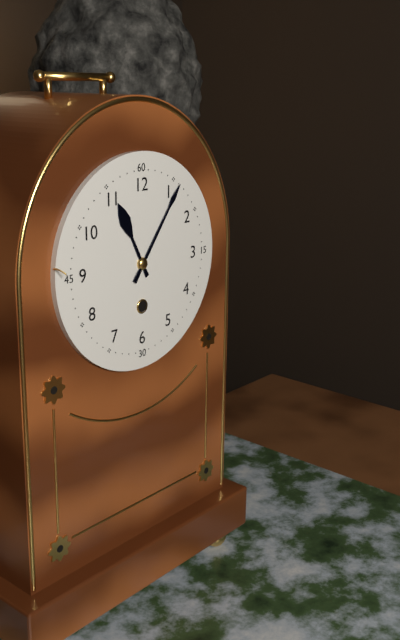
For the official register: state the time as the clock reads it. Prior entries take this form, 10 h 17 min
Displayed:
11 h 06 min
